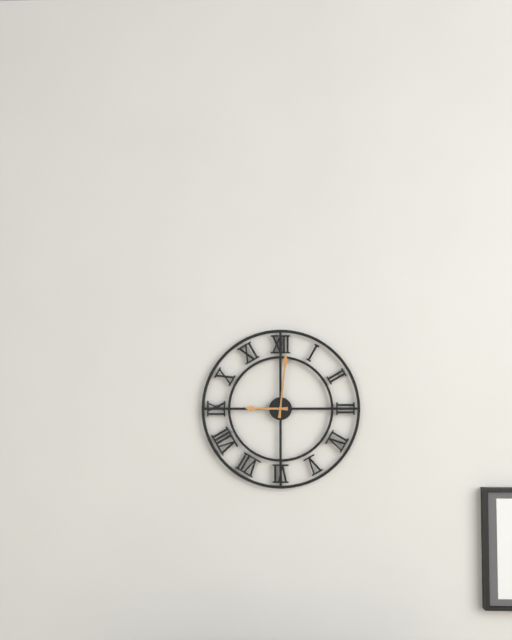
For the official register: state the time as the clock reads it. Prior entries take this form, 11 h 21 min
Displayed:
9 h 01 min
